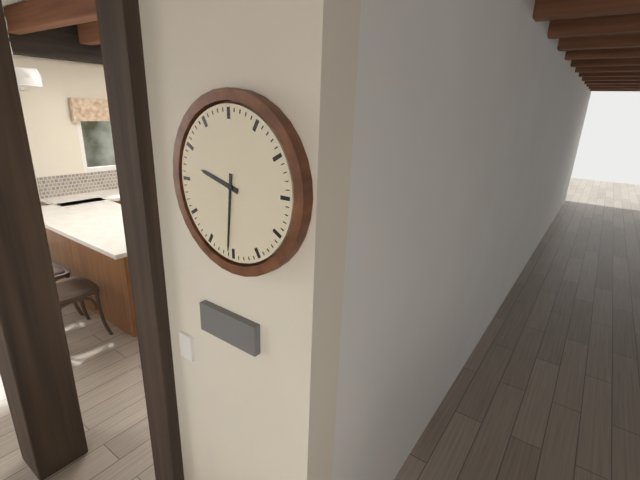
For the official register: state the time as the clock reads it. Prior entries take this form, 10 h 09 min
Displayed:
9 h 31 min
